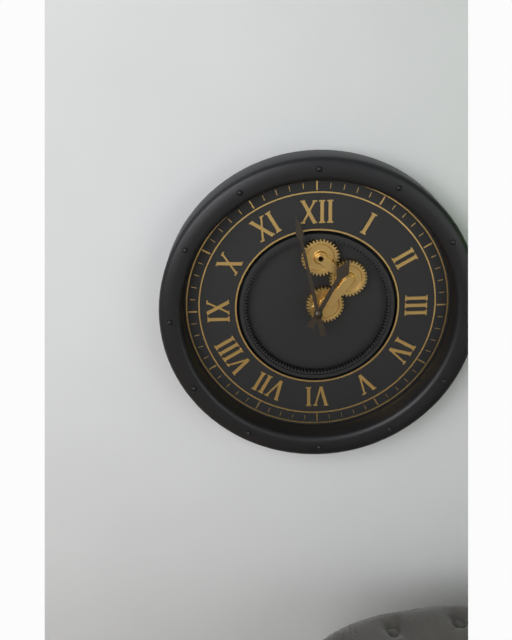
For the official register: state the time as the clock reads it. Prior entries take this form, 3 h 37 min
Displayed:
12 h 58 min
